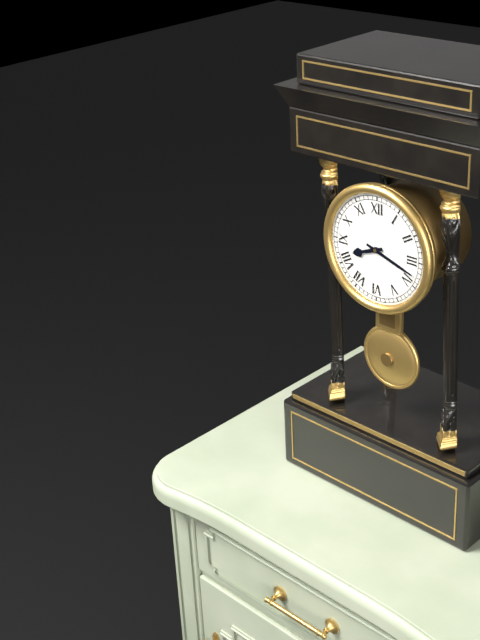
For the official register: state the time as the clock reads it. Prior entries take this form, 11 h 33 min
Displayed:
8 h 18 min
